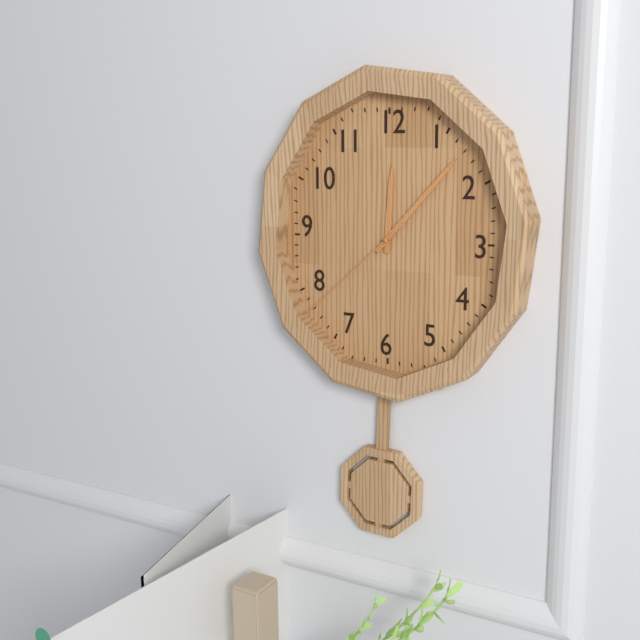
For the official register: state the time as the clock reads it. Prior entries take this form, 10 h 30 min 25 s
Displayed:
12 h 07 min 38 s
